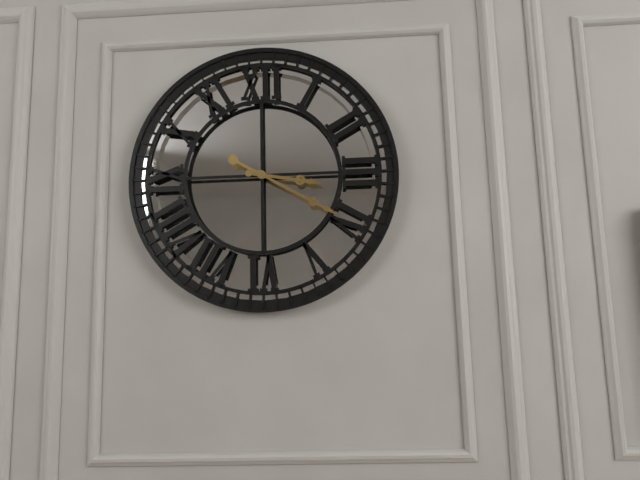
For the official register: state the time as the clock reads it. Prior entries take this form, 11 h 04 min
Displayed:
3 h 20 min
